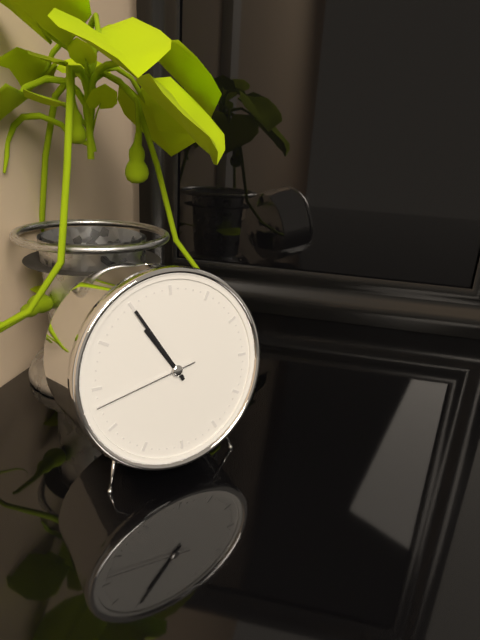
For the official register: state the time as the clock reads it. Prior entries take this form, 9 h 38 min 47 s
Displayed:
10 h 55 min 43 s
